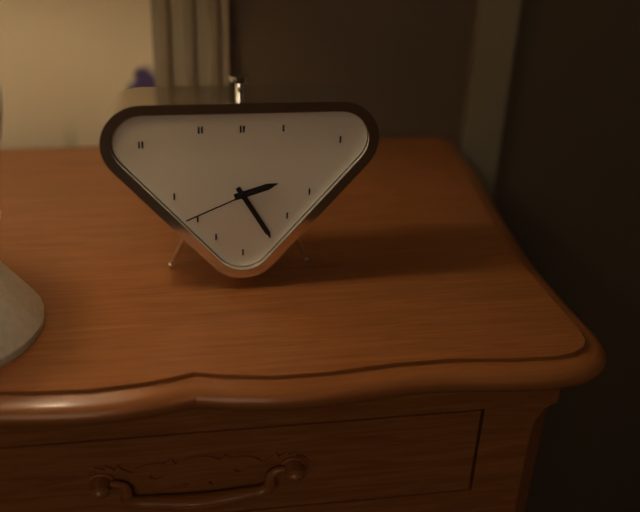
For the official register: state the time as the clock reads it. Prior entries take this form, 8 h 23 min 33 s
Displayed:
2 h 25 min 41 s
